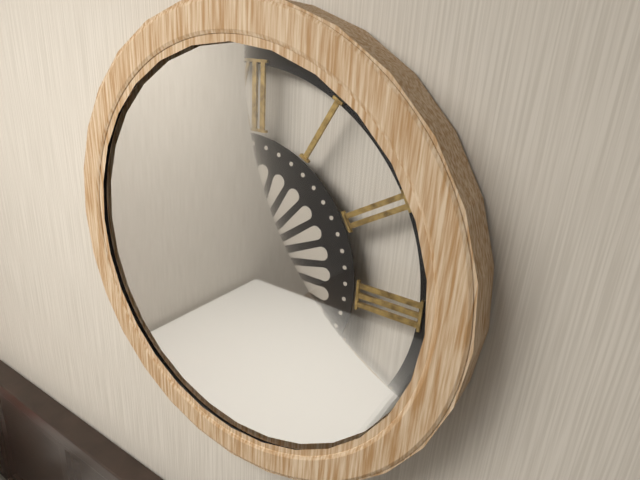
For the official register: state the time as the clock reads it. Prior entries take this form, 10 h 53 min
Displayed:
7 h 56 min
